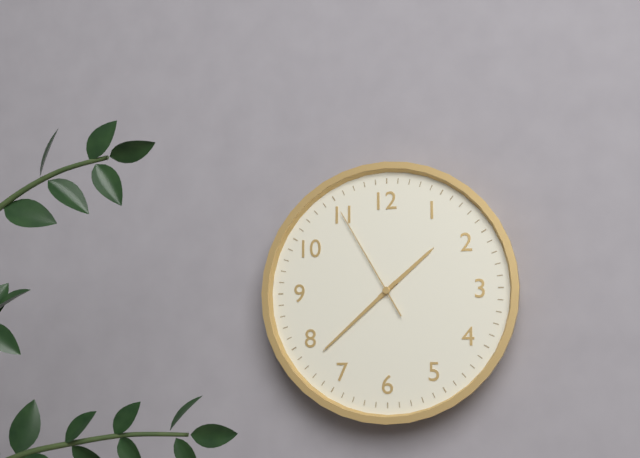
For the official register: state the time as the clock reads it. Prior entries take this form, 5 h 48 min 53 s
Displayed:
1 h 38 min 55 s
